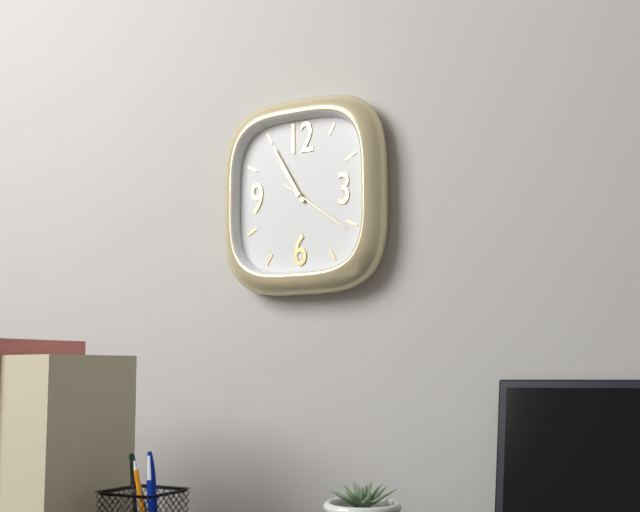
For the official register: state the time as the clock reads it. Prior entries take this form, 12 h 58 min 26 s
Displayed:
10 h 55 min 21 s
